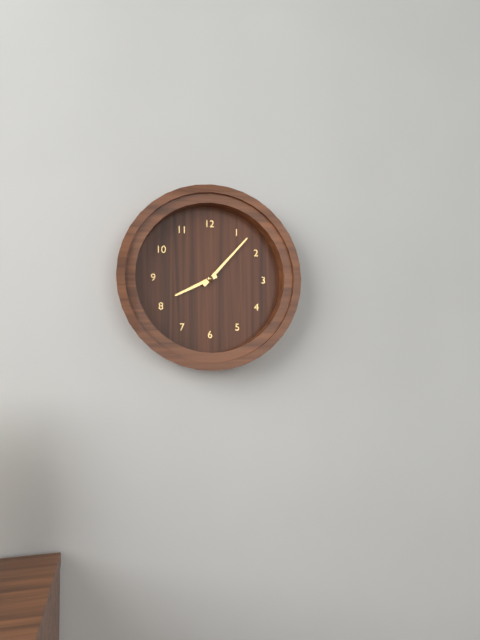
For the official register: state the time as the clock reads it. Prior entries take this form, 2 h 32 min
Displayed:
8 h 07 min
